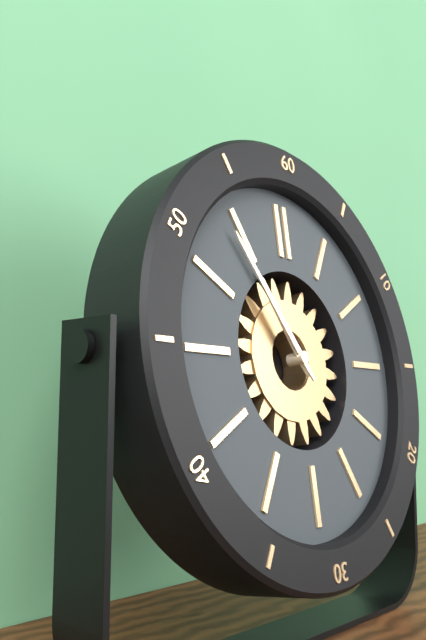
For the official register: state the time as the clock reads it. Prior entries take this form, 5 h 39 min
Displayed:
10 h 54 min
